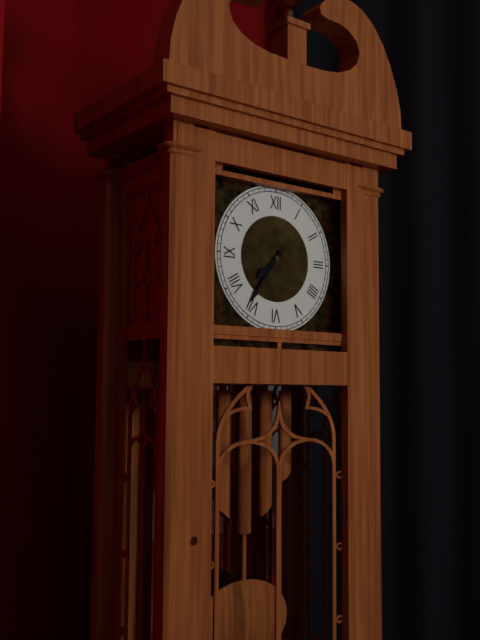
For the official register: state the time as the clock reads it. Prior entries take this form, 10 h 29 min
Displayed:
7 h 36 min
